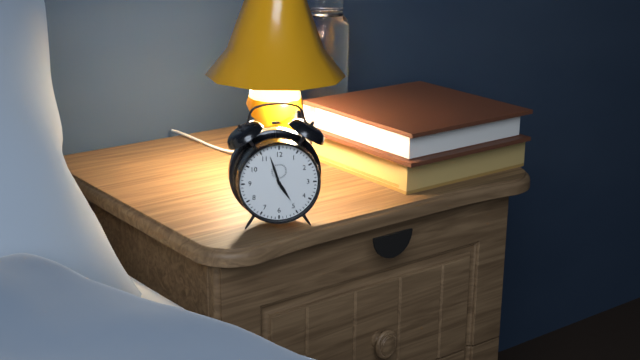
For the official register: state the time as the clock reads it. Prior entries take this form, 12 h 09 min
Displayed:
4 h 57 min
